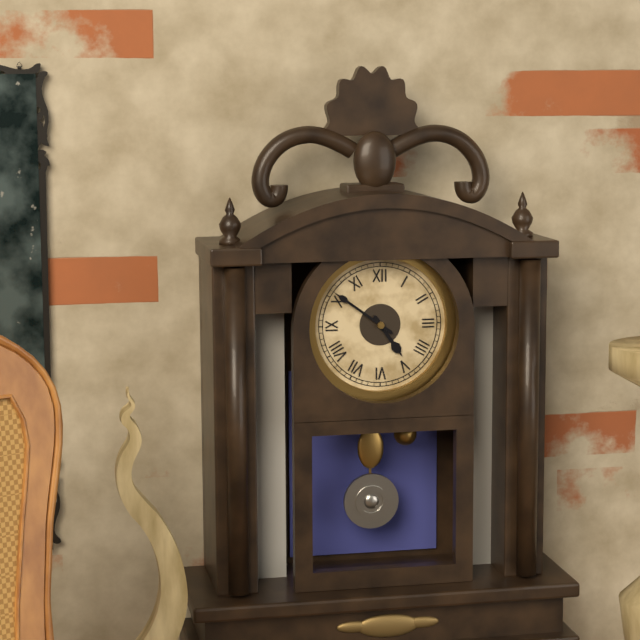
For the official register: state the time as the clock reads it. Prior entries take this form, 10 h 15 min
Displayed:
4 h 51 min
